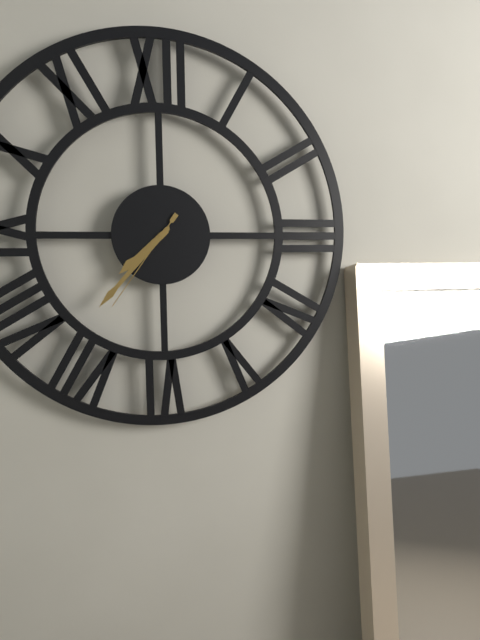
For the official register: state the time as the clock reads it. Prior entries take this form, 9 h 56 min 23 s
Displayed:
7 h 37 min 36 s
